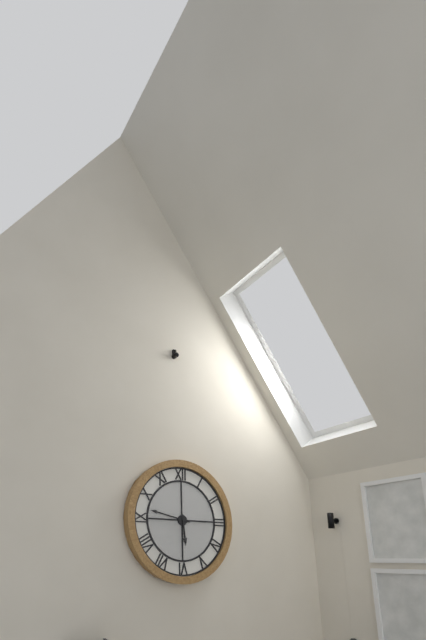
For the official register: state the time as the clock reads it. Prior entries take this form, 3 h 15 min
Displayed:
5 h 47 min
